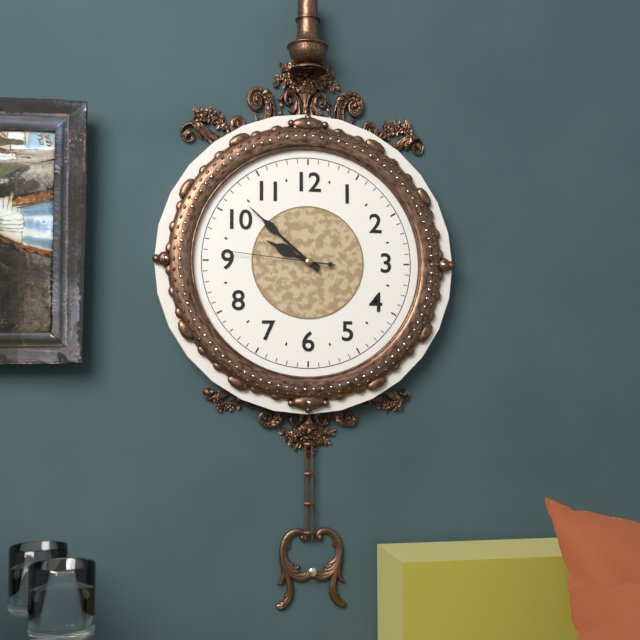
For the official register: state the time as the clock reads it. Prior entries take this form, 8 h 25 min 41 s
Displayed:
9 h 52 min 46 s
